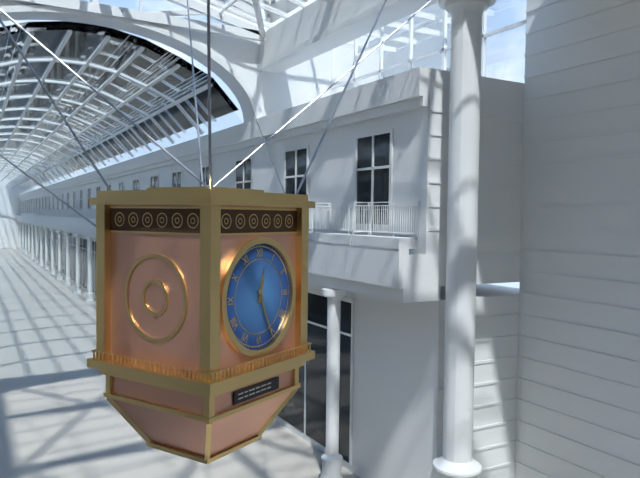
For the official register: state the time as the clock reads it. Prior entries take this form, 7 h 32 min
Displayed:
12 h 26 min
